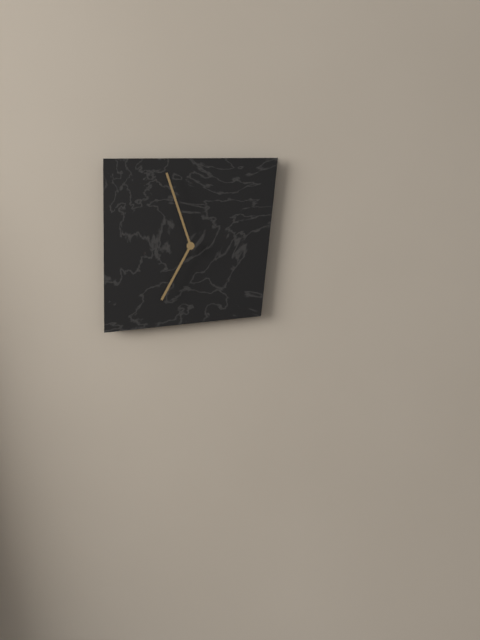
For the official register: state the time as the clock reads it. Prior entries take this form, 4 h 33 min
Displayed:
6 h 57 min
